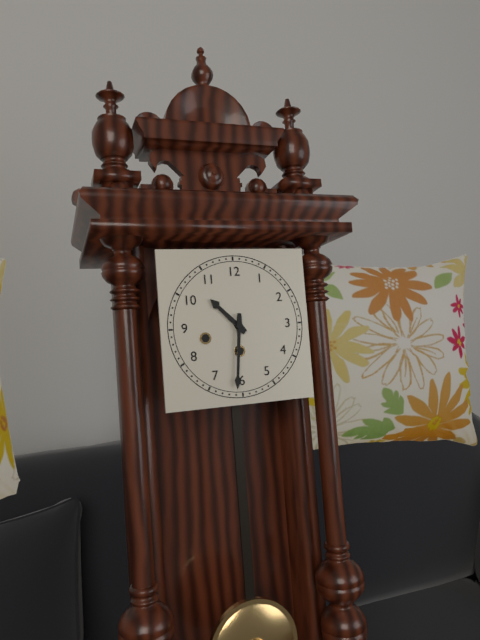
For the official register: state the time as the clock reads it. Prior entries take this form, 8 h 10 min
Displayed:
10 h 31 min
